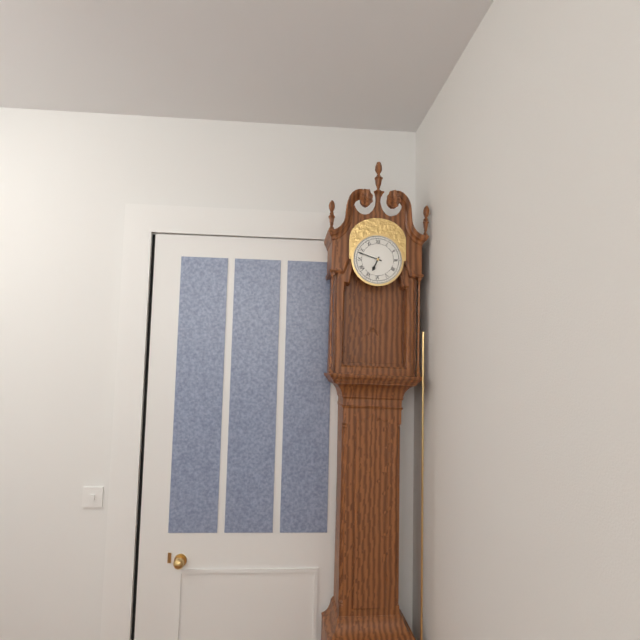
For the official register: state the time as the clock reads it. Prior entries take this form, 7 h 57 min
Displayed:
6 h 48 min
